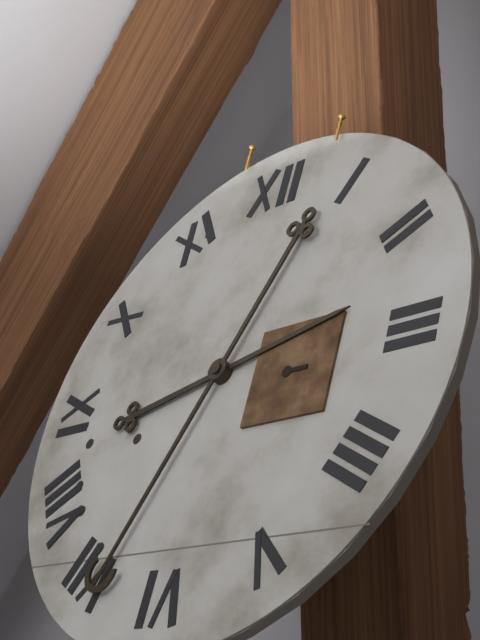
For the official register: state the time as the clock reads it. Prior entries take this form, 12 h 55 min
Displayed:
2 h 34 min
